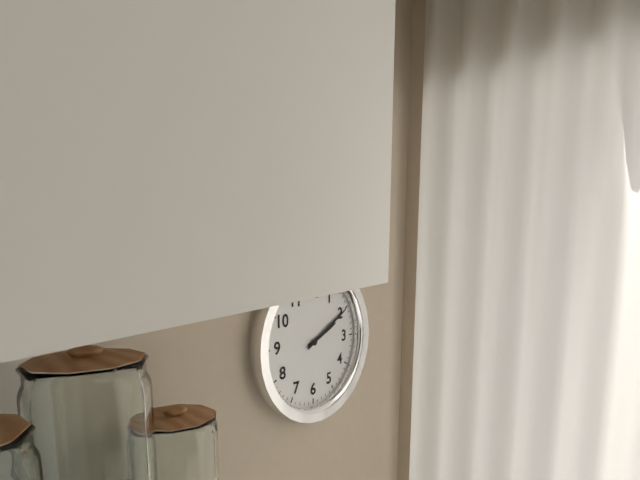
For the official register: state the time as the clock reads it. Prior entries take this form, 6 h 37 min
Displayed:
2 h 10 min
